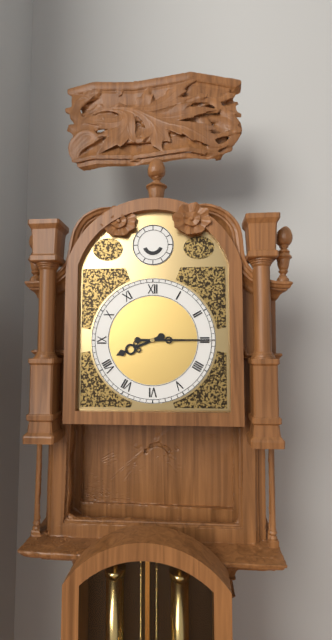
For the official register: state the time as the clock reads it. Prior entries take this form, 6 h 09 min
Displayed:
8 h 15 min
